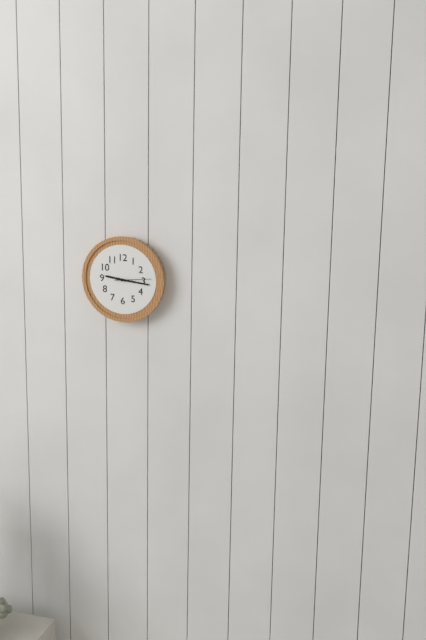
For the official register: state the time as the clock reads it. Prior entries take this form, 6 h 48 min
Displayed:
9 h 16 min
